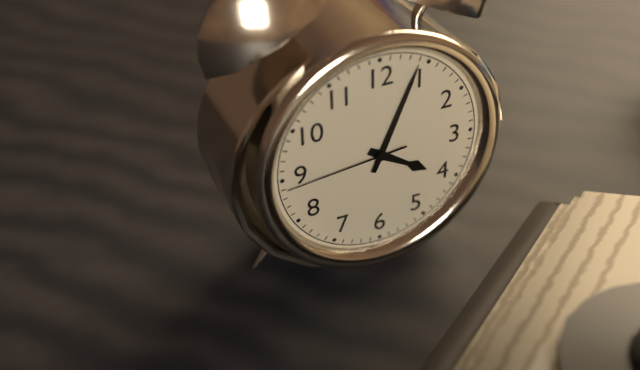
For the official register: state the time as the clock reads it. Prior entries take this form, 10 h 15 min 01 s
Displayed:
4 h 04 min 44 s
